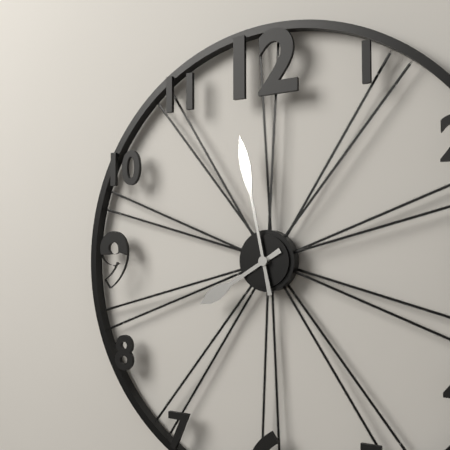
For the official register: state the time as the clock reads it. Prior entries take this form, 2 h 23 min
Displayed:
7 h 58 min
